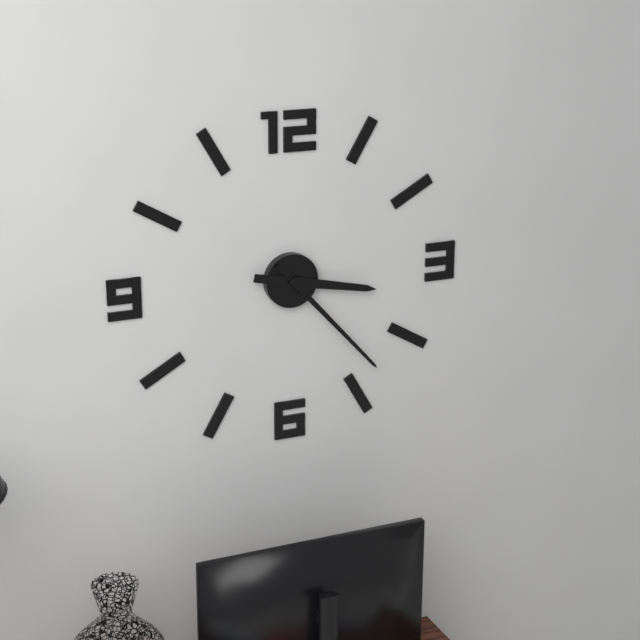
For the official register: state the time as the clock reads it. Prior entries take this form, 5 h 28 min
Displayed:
3 h 23 min
